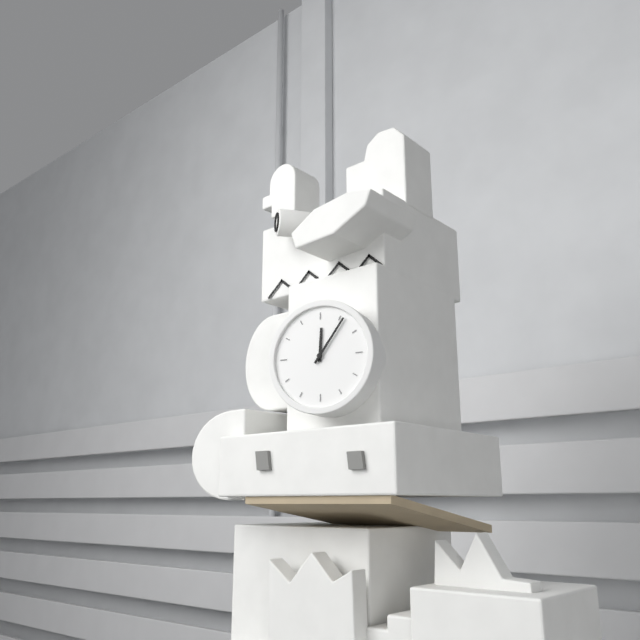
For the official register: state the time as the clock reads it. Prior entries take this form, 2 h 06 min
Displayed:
12 h 06 min
